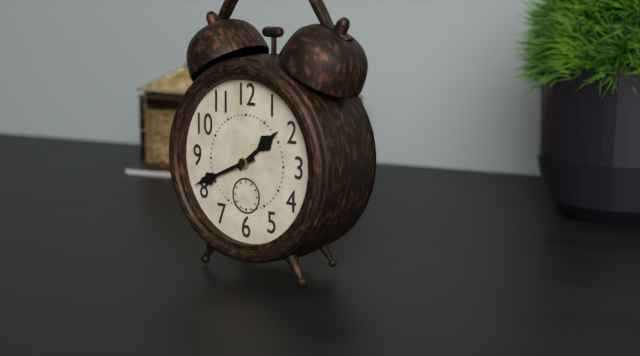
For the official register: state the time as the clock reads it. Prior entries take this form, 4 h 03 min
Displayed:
1 h 41 min
